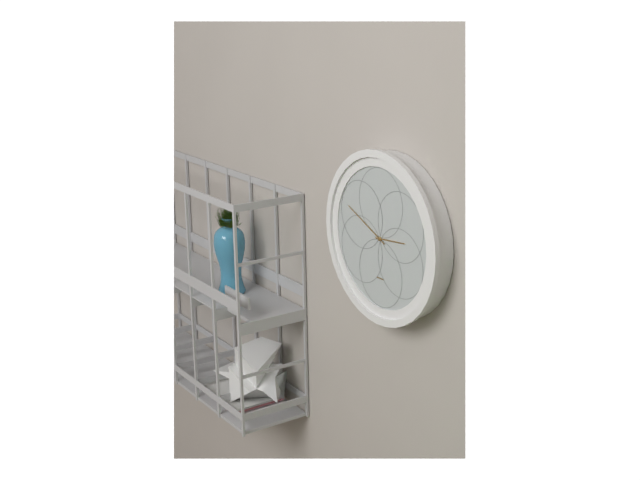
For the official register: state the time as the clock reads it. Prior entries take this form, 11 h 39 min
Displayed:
2 h 49 min
